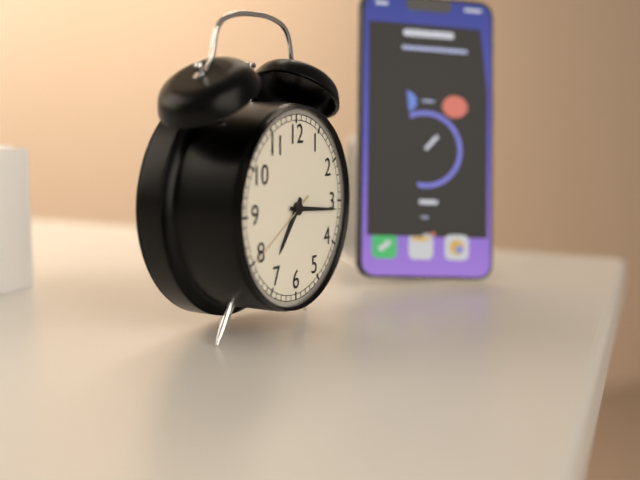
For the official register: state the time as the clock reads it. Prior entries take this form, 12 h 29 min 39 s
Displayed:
7 h 16 min 40 s
